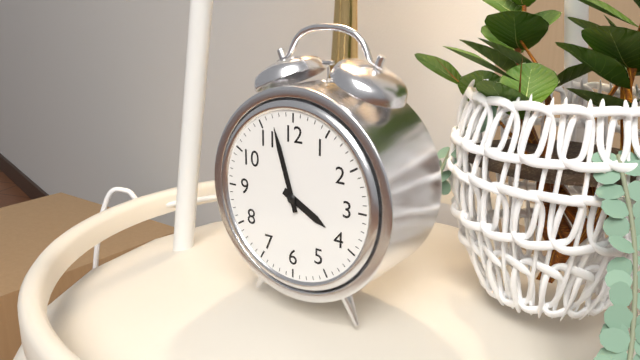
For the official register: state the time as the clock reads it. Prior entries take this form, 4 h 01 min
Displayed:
3 h 57 min
